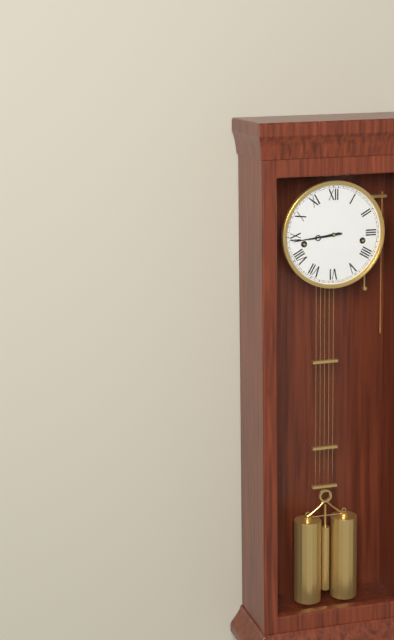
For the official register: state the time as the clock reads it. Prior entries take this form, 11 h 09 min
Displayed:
8 h 44 min
